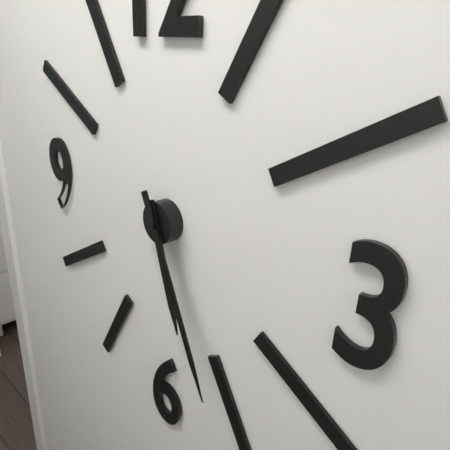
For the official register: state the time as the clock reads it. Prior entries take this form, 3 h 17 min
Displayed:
5 h 26 min
